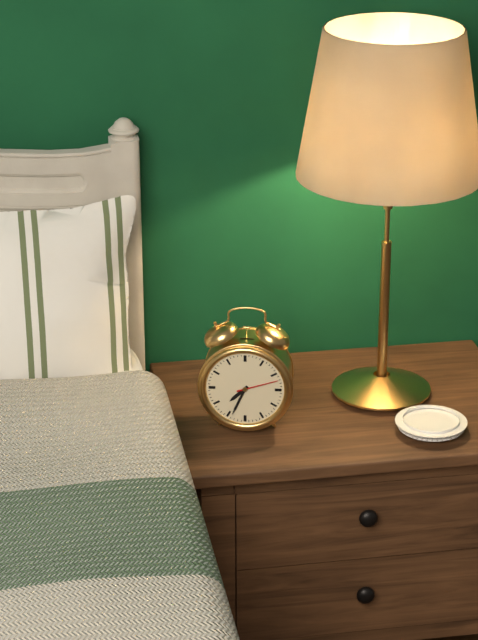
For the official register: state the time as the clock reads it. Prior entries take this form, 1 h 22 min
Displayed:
7 h 34 min
